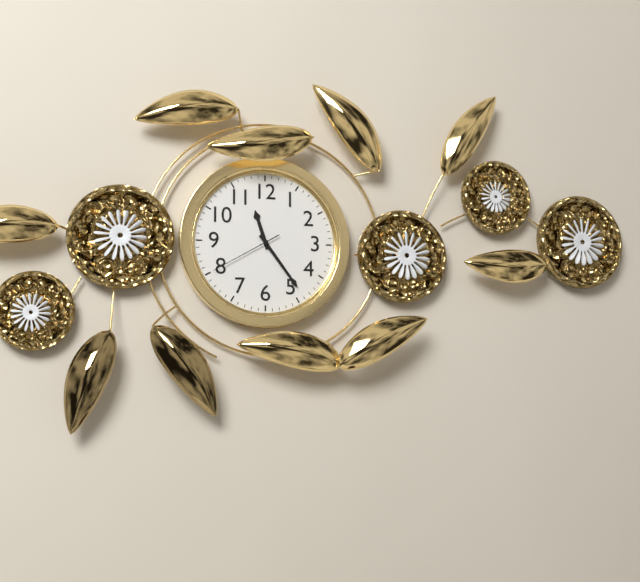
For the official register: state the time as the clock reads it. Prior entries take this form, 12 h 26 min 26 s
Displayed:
11 h 24 min 40 s
